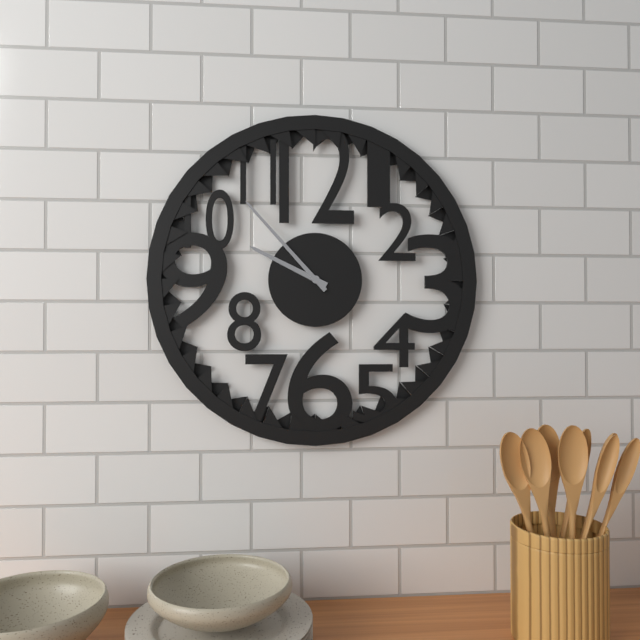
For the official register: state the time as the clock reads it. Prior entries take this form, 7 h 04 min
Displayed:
9 h 53 min
